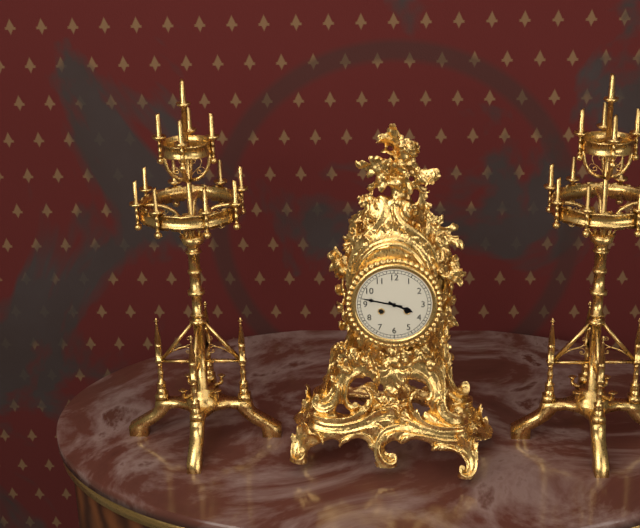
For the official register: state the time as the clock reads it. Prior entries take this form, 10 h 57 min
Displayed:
3 h 47 min
